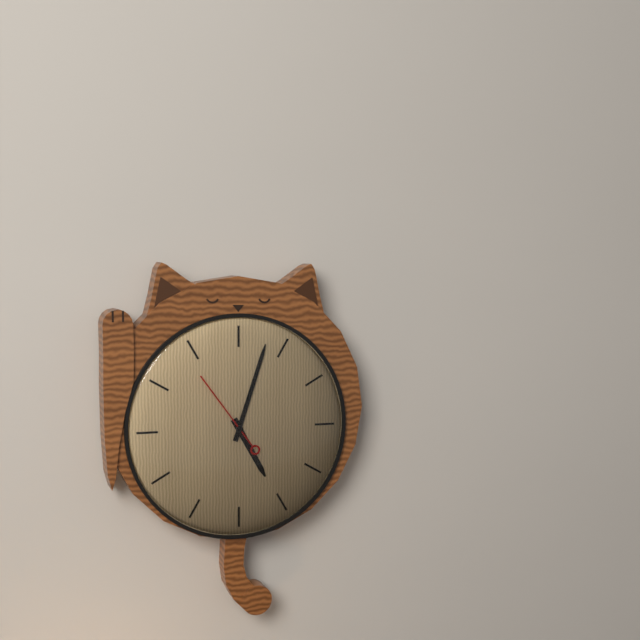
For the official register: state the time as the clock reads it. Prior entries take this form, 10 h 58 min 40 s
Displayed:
5 h 03 min 54 s
